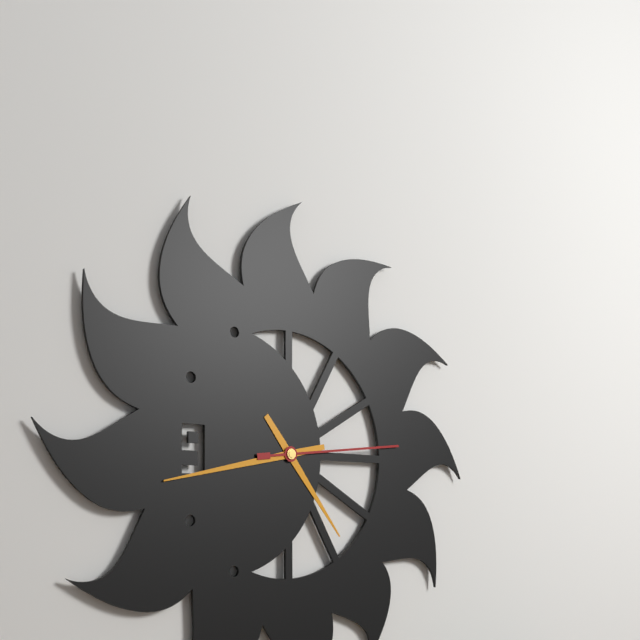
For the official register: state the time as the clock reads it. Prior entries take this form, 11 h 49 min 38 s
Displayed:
4 h 43 min 14 s
